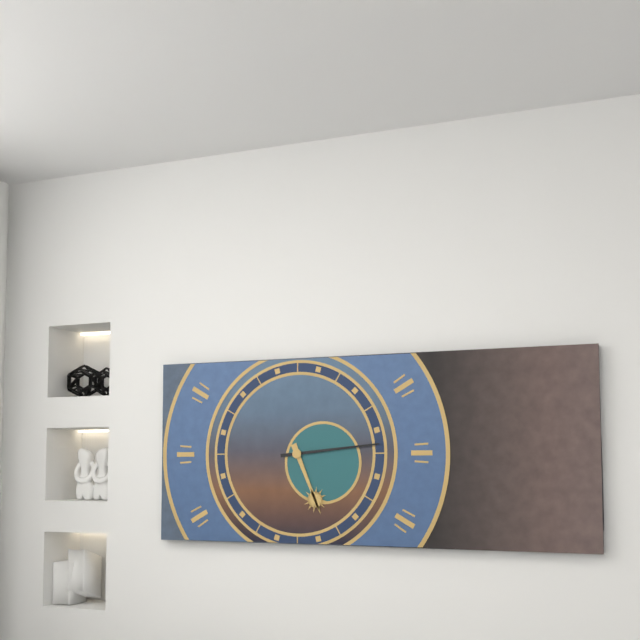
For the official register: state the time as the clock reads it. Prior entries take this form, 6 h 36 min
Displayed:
5 h 14 min
